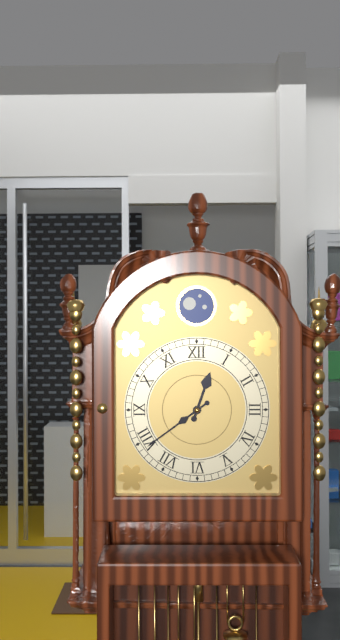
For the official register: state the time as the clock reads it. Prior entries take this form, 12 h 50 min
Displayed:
12 h 39 min
